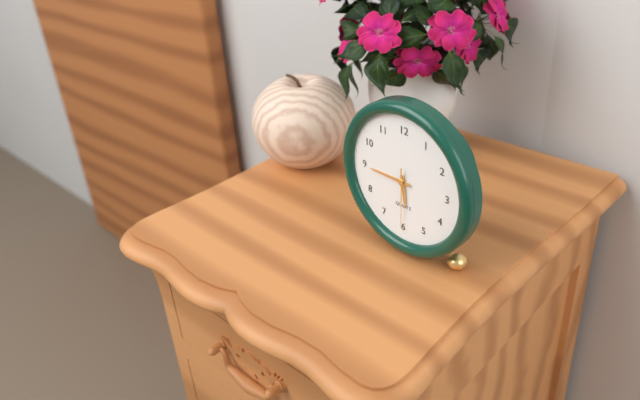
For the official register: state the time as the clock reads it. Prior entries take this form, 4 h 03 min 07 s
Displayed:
5 h 45 min 30 s
